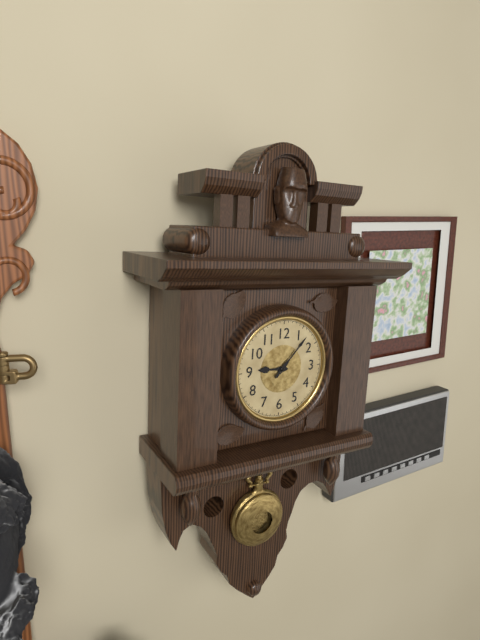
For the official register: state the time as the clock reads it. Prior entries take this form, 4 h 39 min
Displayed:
9 h 07 min
